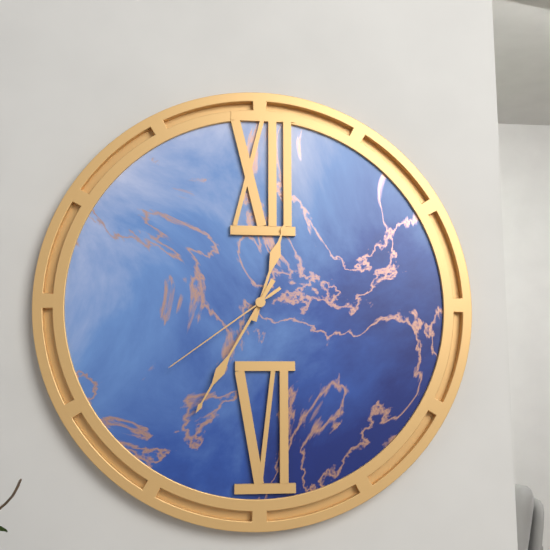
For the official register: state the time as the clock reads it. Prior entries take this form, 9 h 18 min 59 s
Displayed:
12 h 35 min 39 s
